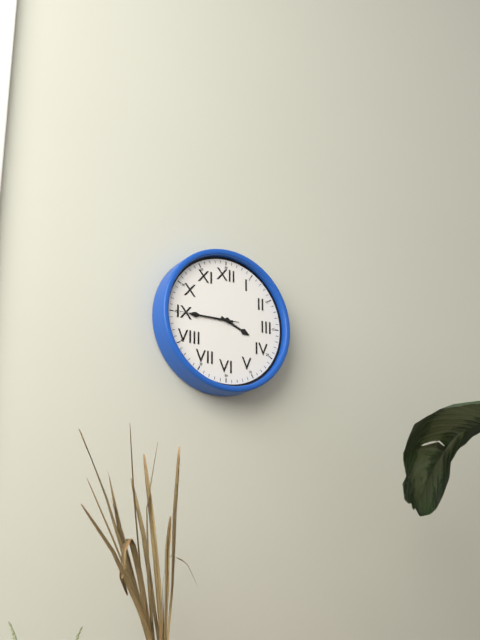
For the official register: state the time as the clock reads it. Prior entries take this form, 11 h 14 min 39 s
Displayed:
3 h 45 min 45 s
